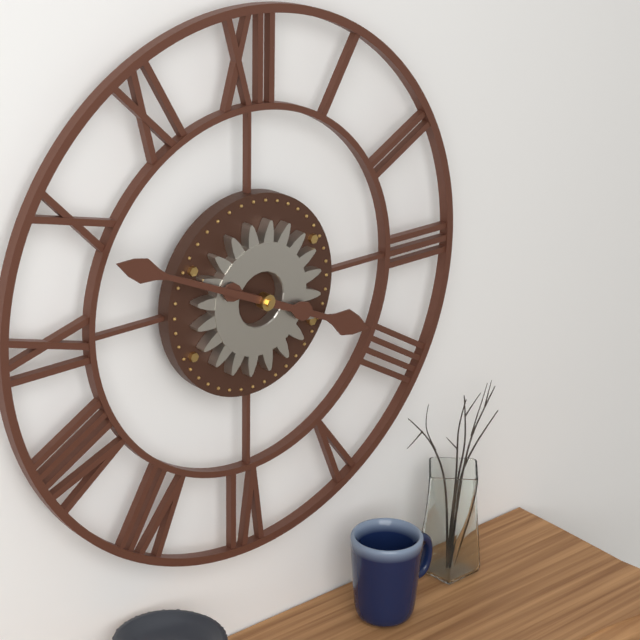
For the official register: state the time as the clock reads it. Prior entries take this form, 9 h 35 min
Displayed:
3 h 49 min
